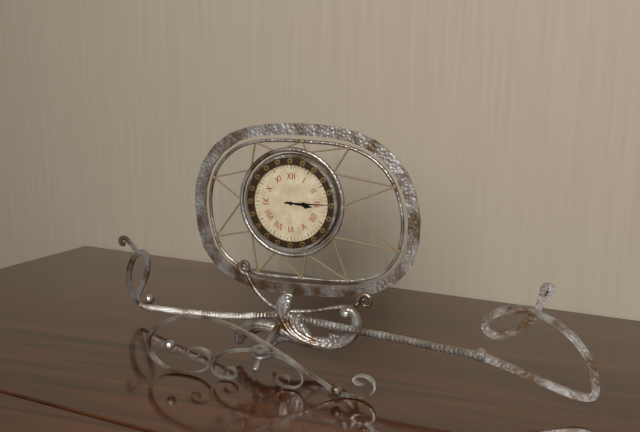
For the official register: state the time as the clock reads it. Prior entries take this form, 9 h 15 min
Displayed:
3 h 15 min
